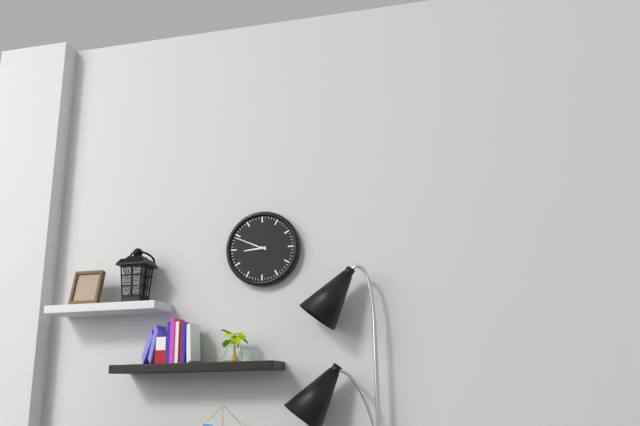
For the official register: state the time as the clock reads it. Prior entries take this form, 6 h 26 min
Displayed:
8 h 49 min
